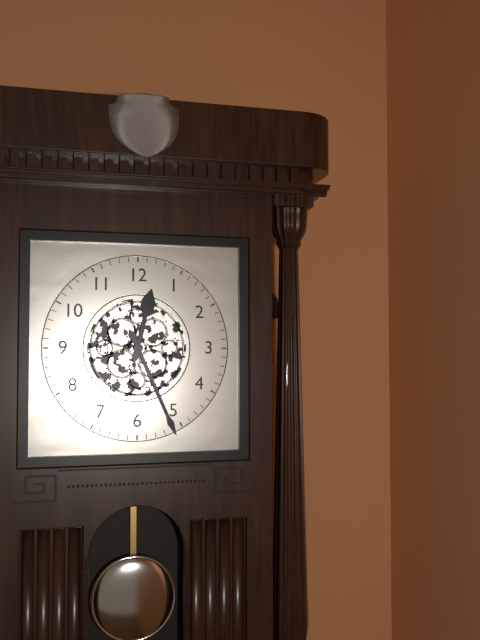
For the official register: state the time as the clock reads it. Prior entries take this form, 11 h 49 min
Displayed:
12 h 26 min
